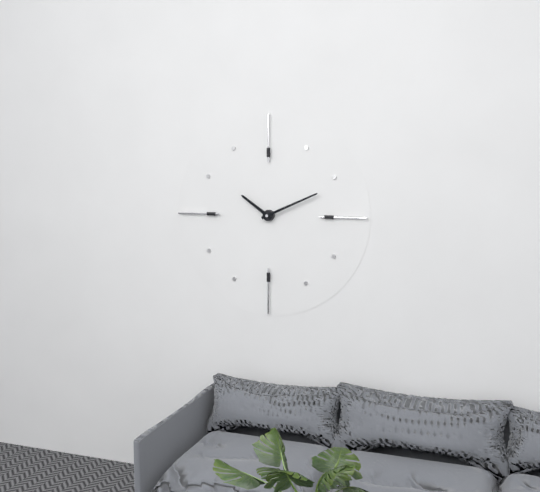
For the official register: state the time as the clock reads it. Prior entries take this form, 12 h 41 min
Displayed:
10 h 11 min
